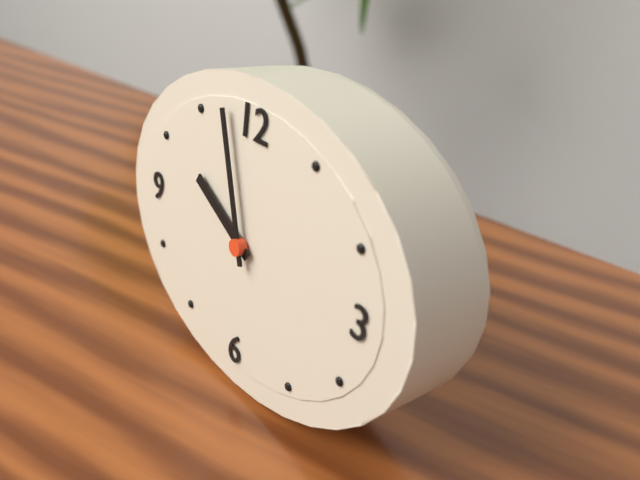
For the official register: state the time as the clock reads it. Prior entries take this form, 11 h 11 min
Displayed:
9 h 57 min
